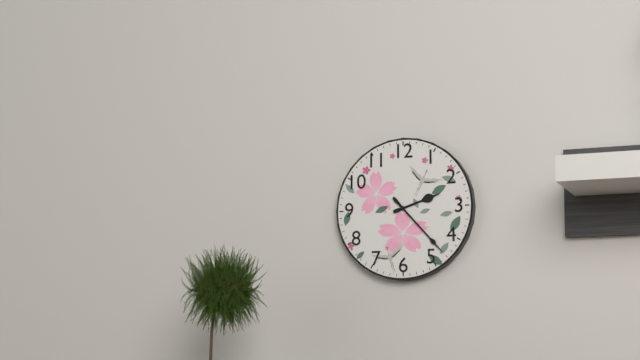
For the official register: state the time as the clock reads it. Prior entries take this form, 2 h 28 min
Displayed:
2 h 23 min
